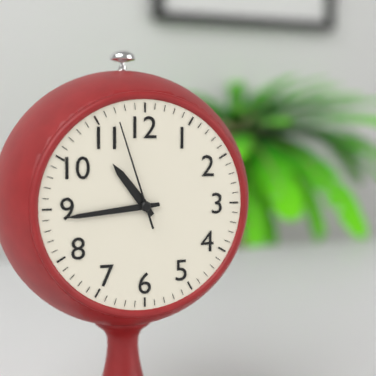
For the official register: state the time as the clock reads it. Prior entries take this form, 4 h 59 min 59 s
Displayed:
10 h 44 min 57 s
